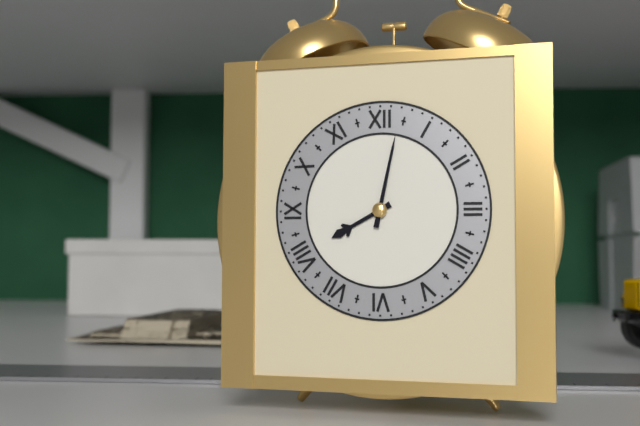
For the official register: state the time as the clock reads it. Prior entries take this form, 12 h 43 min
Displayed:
8 h 02 min
